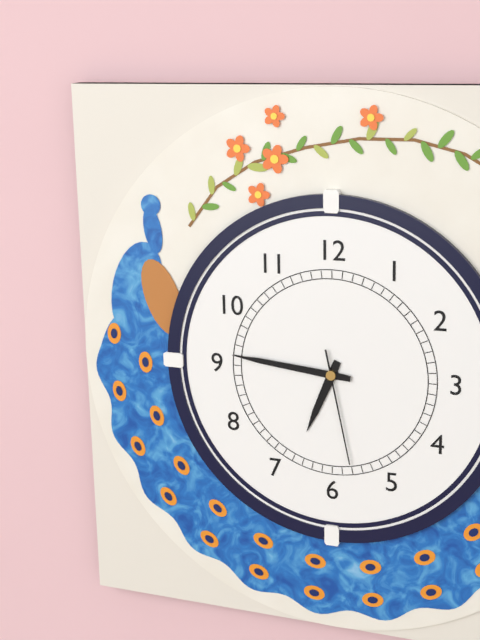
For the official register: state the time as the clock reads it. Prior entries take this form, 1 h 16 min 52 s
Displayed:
6 h 46 min 28 s
